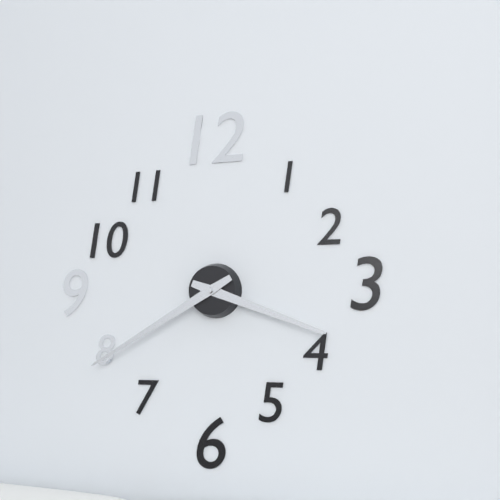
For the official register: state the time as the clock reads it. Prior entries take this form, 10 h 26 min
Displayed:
3 h 40 min
